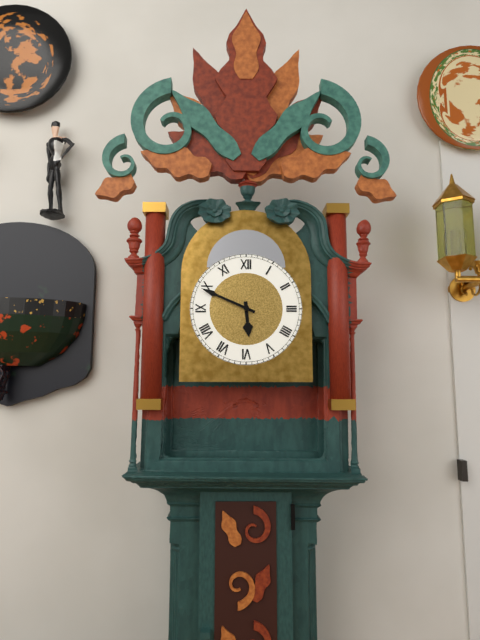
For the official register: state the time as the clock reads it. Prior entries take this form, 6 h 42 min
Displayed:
5 h 49 min
